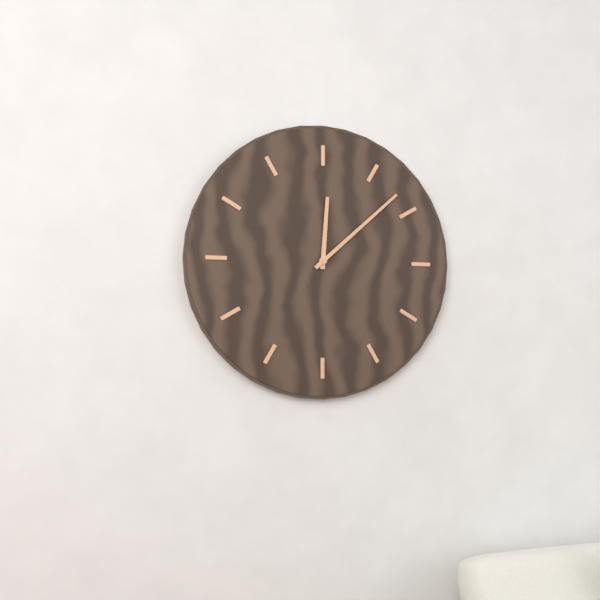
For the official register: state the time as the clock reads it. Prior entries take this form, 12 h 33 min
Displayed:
12 h 08 min
